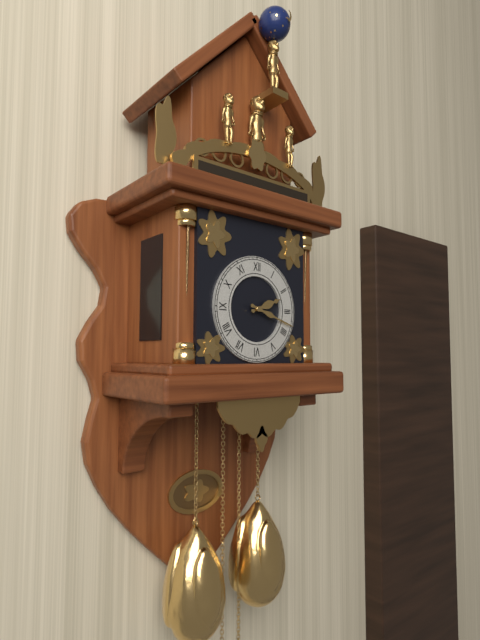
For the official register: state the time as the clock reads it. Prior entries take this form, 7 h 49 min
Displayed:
2 h 18 min
